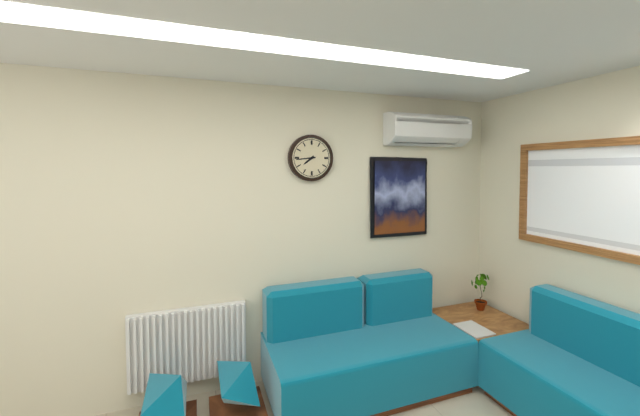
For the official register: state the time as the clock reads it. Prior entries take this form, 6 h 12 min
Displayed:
7 h 44 min
